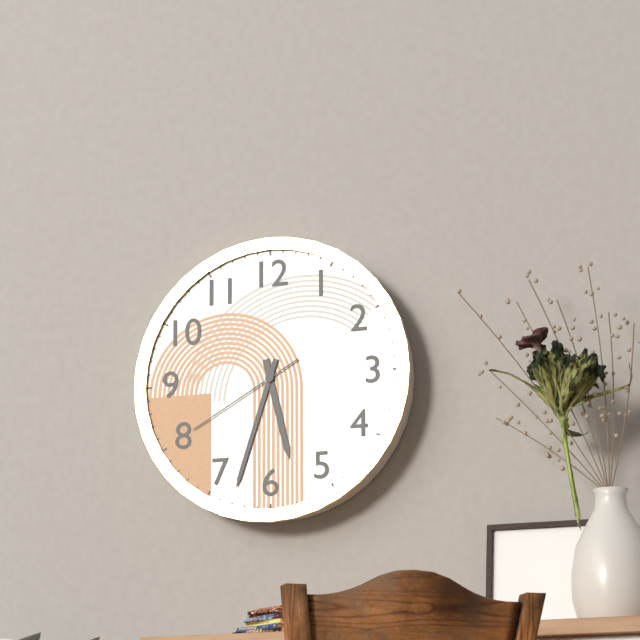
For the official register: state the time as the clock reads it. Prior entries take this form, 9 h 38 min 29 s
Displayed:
5 h 33 min 40 s
